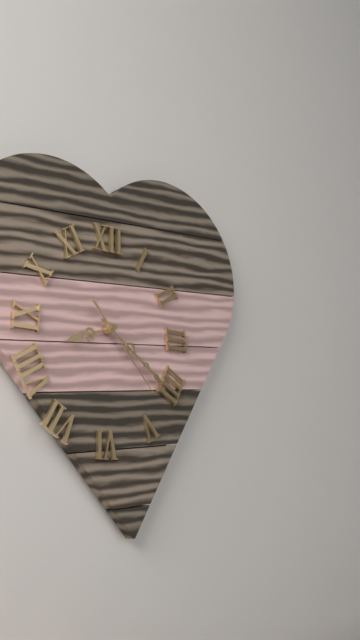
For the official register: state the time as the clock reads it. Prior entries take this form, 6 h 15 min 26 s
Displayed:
8 h 21 min 23 s
